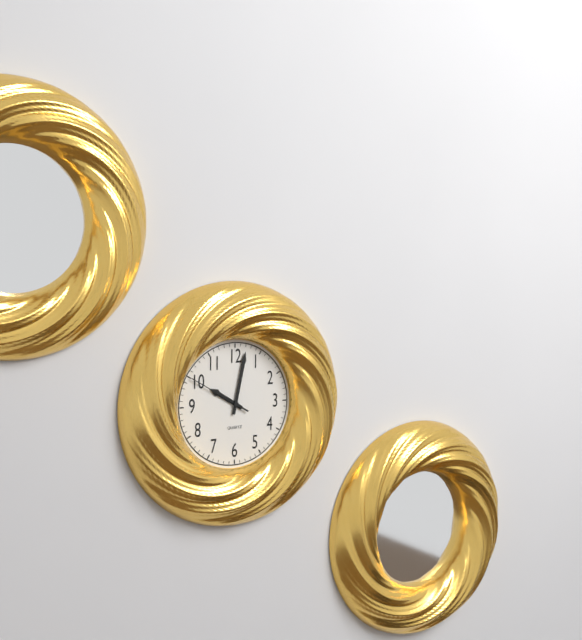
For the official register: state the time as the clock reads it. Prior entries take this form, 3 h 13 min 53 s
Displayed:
10 h 02 min 50 s
